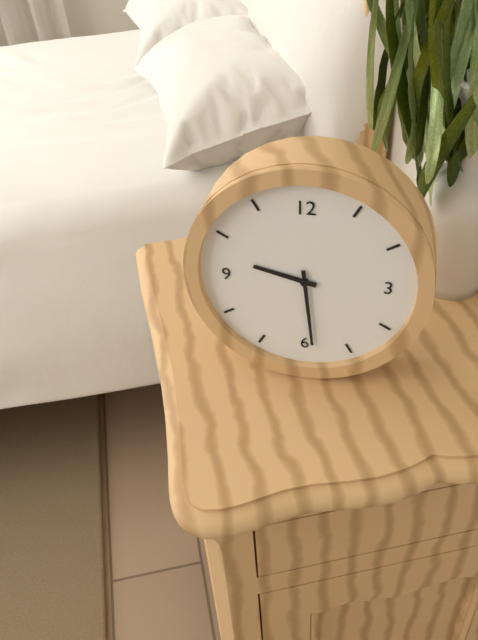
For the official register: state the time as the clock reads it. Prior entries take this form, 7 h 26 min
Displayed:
9 h 29 min
